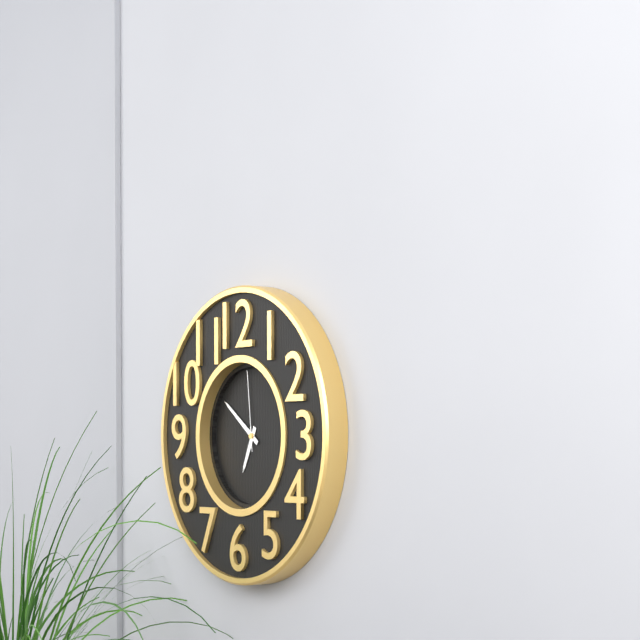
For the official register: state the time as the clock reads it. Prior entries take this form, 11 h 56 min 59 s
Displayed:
6 h 51 min 59 s
